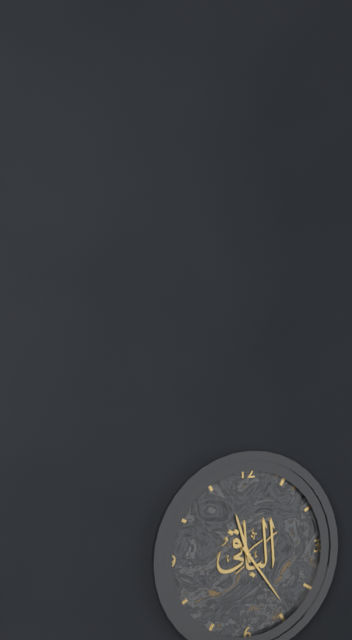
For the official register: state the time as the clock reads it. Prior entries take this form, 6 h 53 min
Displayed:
11 h 24 min
